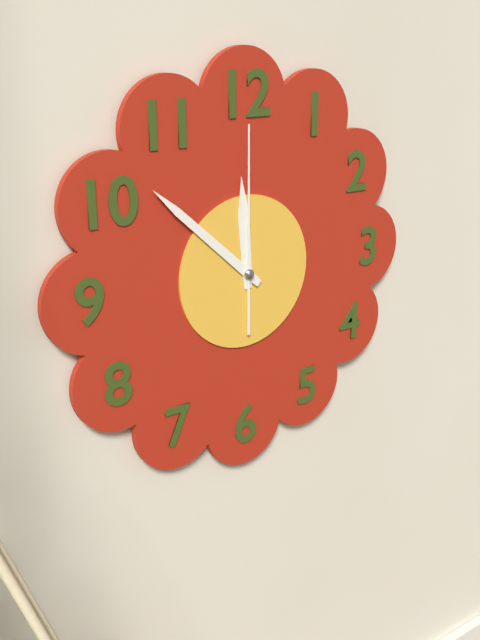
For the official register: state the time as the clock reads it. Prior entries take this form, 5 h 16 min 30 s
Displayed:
11 h 52 min 00 s
